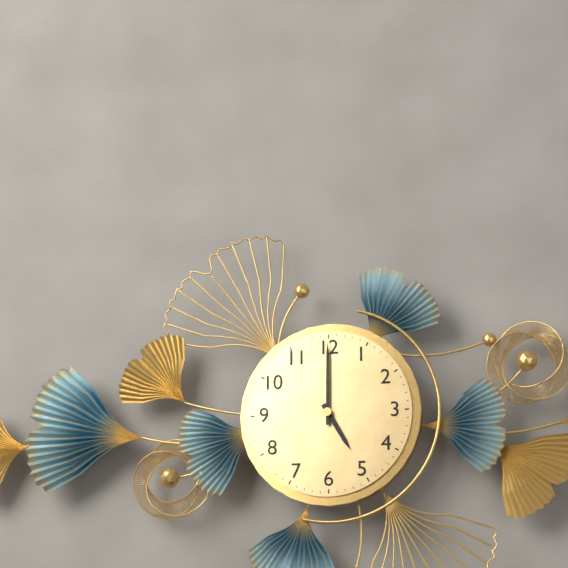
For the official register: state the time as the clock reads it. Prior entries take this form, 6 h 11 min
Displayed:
5 h 00 min
